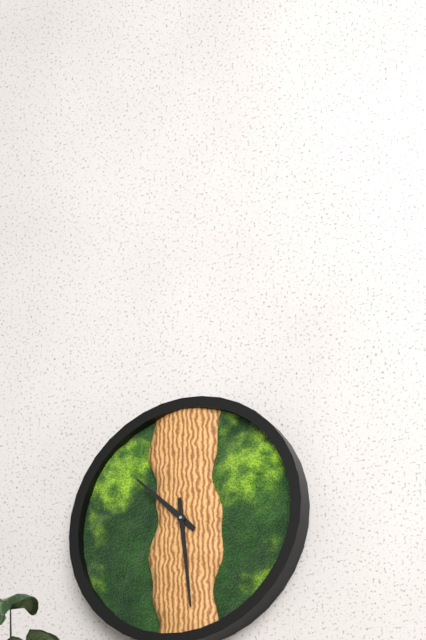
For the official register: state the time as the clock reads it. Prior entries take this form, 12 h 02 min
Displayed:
10 h 29 min
